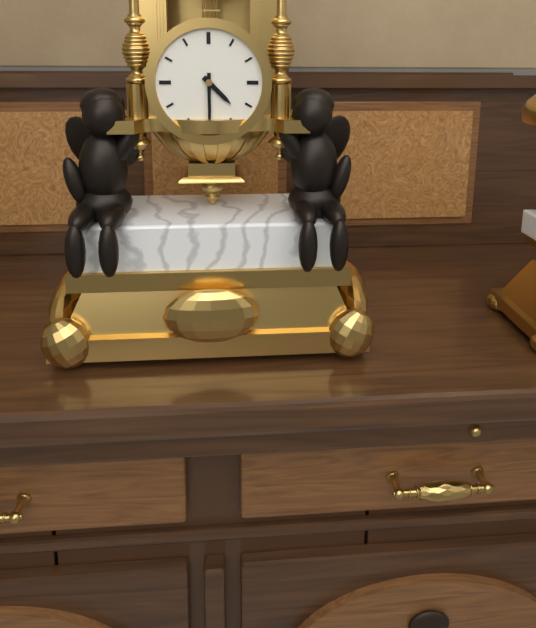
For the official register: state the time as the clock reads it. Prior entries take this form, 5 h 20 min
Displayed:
4 h 30 min
